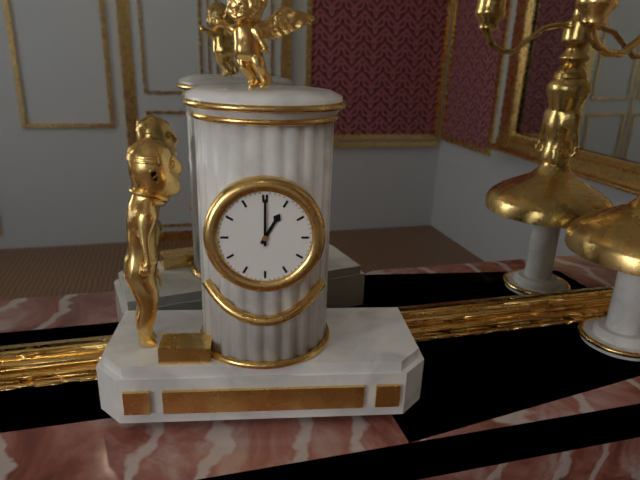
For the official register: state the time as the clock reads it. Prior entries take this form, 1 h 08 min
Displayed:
1 h 00 min
